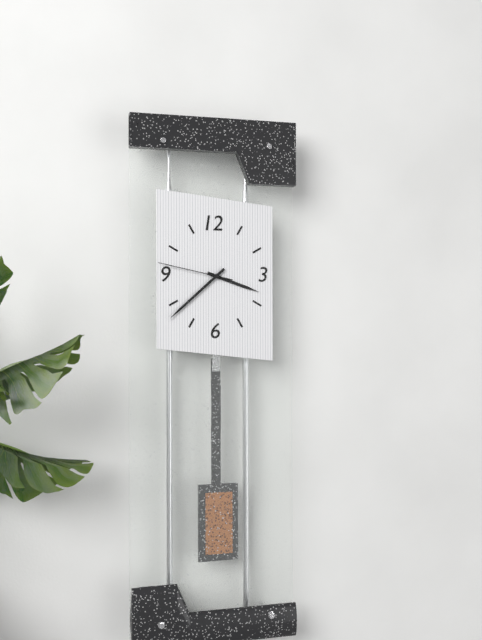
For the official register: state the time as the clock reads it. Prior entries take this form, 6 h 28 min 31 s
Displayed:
3 h 38 min 47 s
